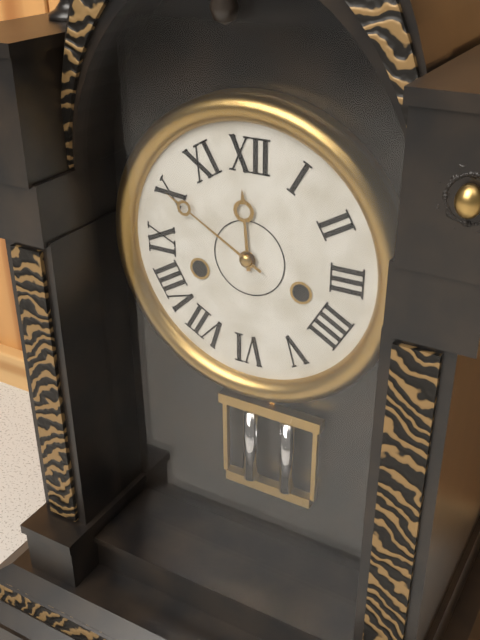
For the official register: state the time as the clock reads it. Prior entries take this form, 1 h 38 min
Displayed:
11 h 50 min
